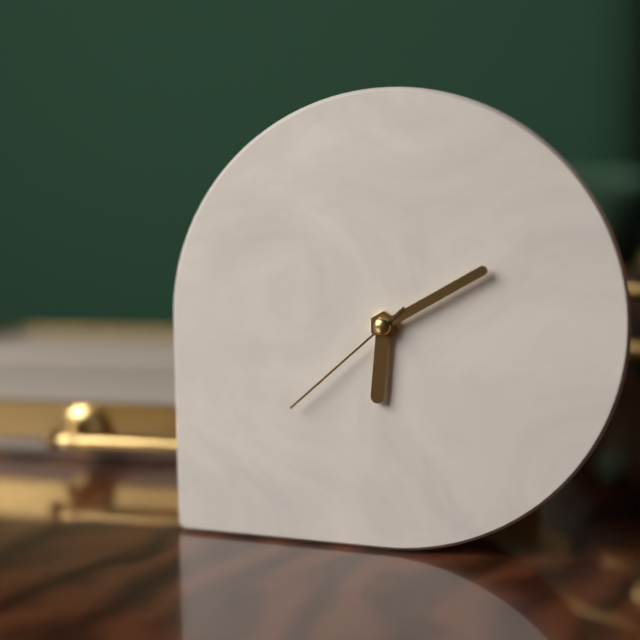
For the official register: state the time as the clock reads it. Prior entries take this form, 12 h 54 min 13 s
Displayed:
6 h 10 min 38 s
